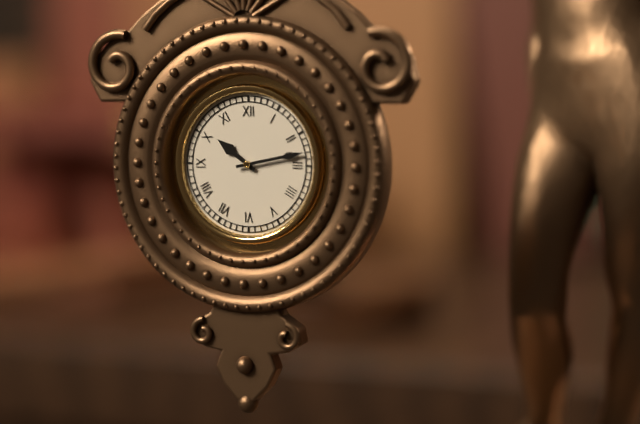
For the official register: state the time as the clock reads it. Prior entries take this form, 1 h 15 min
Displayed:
10 h 13 min
